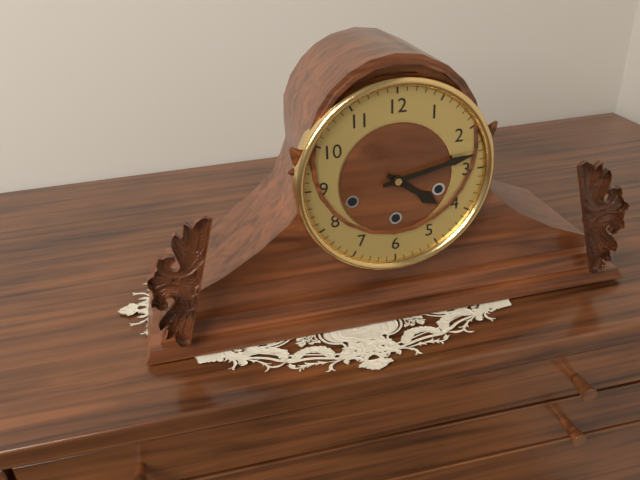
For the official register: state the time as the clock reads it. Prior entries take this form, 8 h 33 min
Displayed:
4 h 13 min
